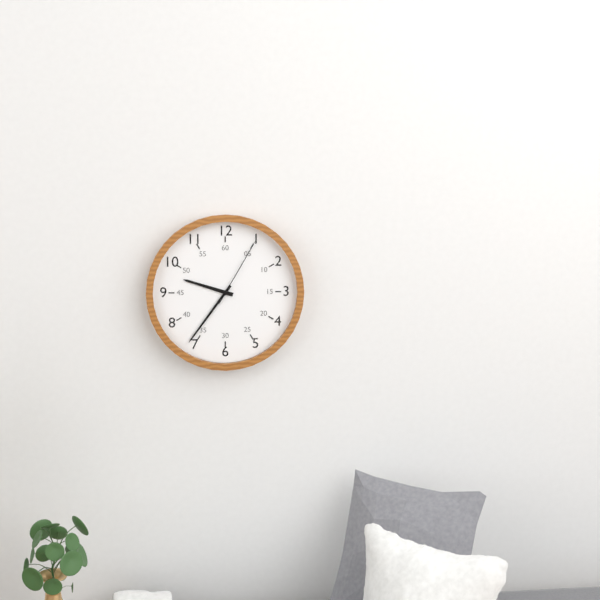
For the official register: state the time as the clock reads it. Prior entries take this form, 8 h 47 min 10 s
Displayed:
9 h 36 min 05 s
